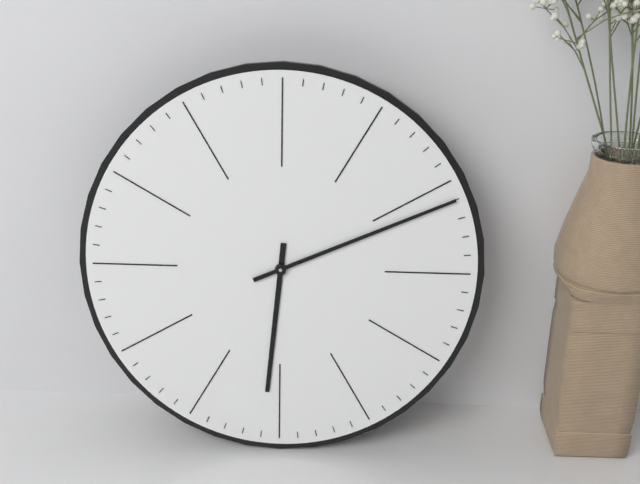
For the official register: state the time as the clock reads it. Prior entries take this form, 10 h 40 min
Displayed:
6 h 11 min
